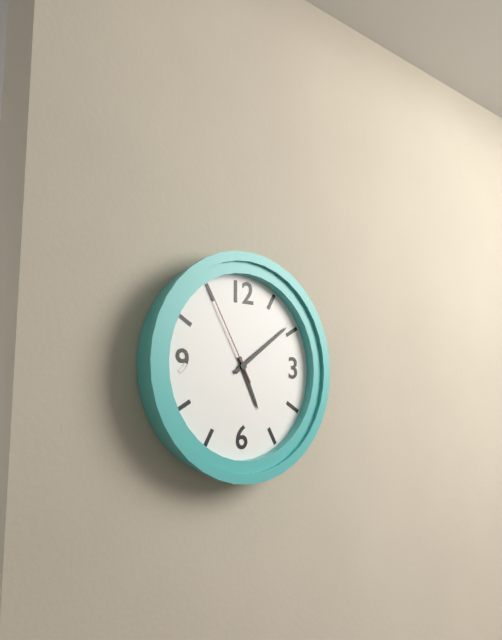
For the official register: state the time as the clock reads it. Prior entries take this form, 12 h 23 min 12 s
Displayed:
5 h 09 min 55 s
